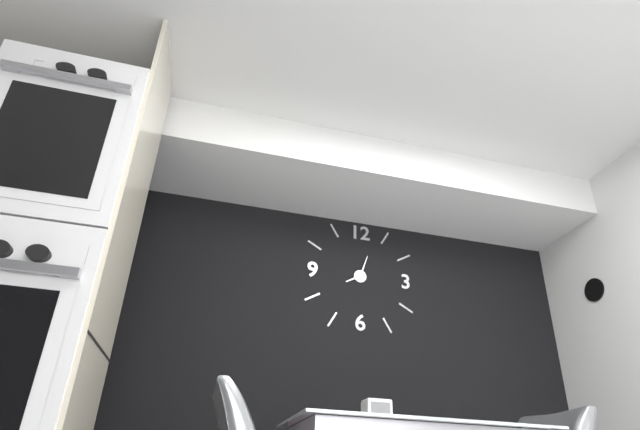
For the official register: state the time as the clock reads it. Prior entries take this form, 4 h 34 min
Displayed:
8 h 03 min
